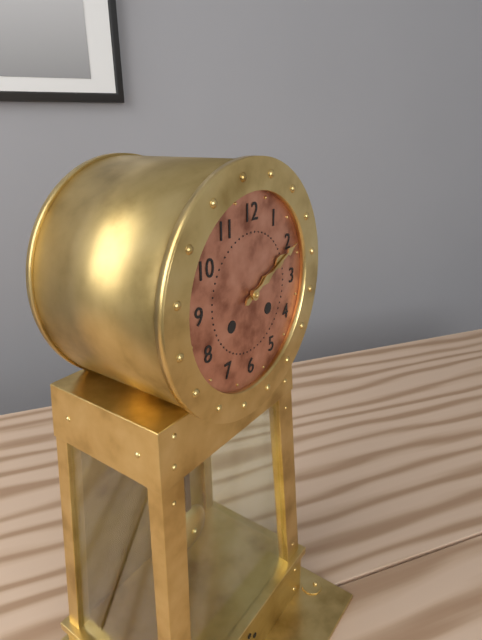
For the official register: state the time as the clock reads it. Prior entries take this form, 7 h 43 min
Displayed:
2 h 11 min
